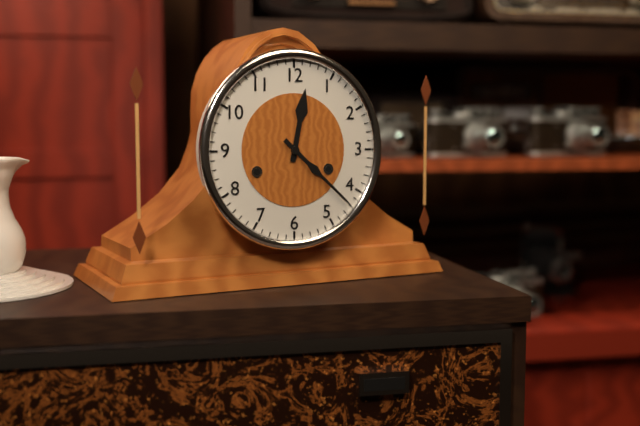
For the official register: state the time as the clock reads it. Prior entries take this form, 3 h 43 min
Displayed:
12 h 22 min
